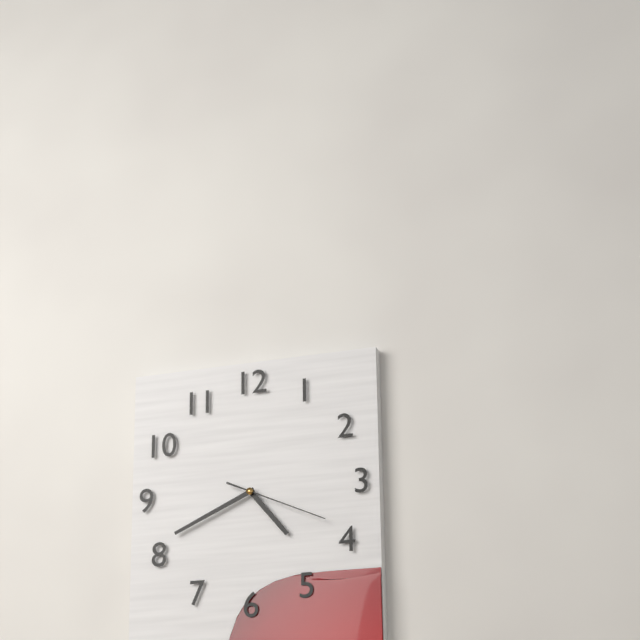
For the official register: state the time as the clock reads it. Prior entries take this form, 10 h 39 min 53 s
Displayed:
4 h 41 min 19 s
